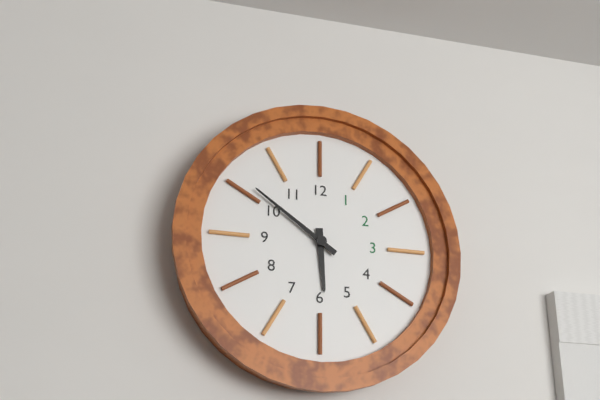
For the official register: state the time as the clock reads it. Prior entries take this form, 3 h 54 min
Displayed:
5 h 51 min
